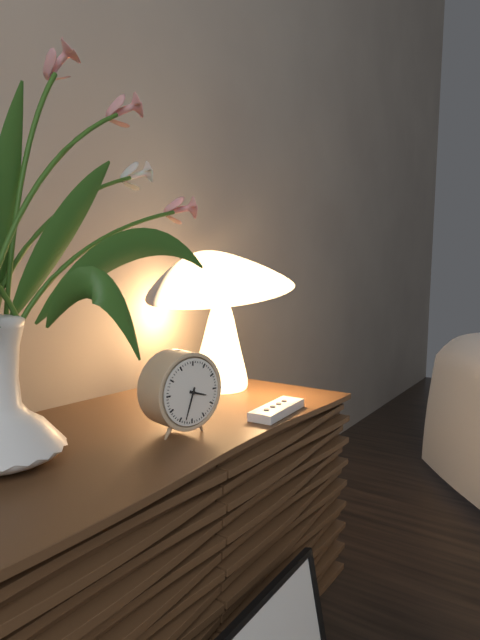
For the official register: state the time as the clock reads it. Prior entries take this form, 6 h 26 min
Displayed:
3 h 33 min
